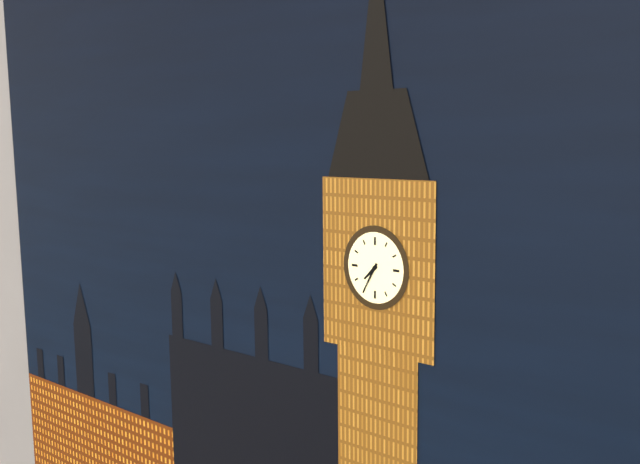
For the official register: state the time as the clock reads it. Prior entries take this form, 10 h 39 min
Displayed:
7 h 35 min
